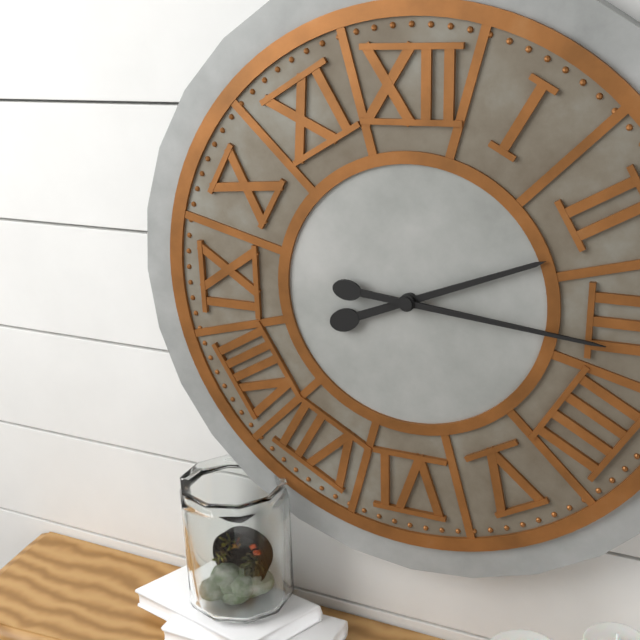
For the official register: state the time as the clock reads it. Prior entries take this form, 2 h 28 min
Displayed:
2 h 16 min
